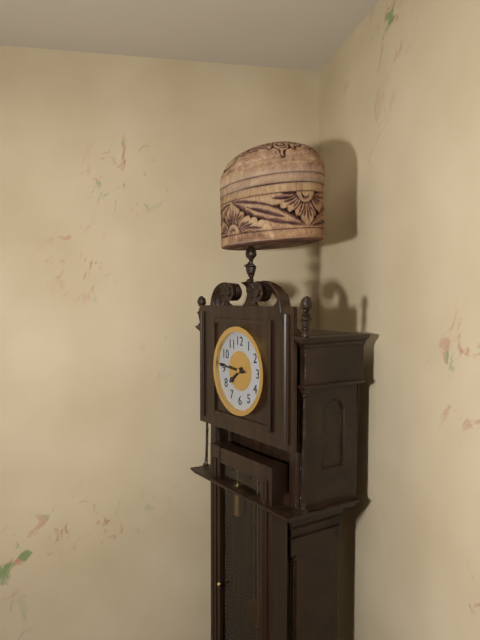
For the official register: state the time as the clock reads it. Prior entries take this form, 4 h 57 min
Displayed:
7 h 46 min
